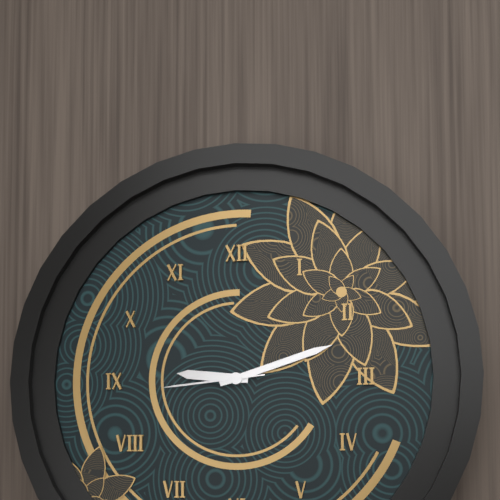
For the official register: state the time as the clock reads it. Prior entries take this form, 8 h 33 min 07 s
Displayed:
9 h 12 min 44 s
